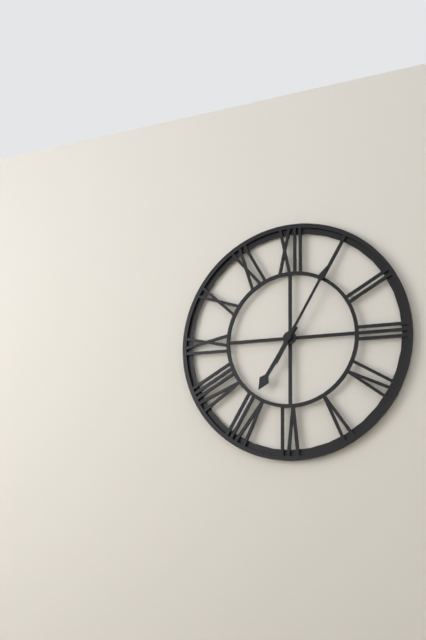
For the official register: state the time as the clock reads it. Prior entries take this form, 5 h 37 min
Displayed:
7 h 05 min
